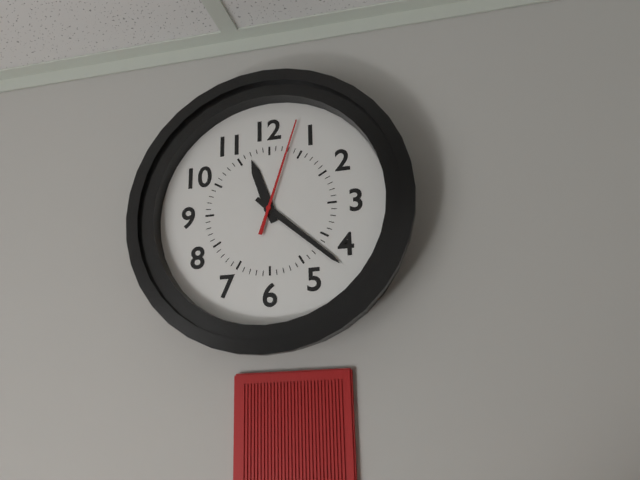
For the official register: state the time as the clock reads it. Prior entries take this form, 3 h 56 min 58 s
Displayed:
11 h 22 min 03 s
